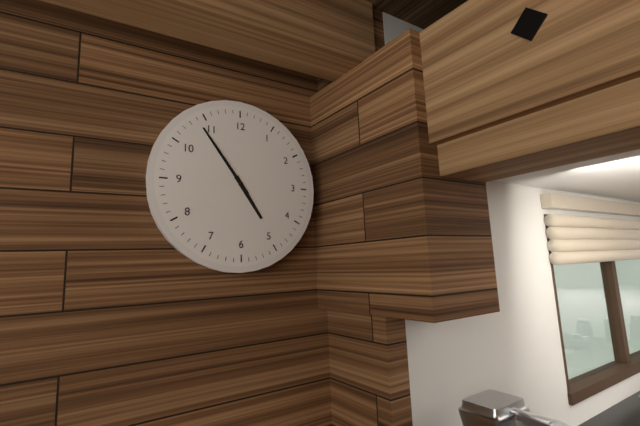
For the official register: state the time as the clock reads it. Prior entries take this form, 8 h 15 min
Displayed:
4 h 54 min
